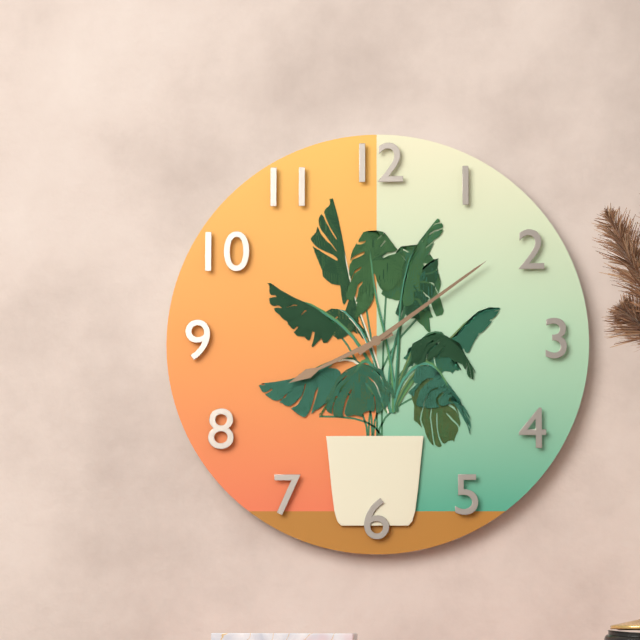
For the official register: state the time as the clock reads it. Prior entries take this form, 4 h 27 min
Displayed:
8 h 09 min
